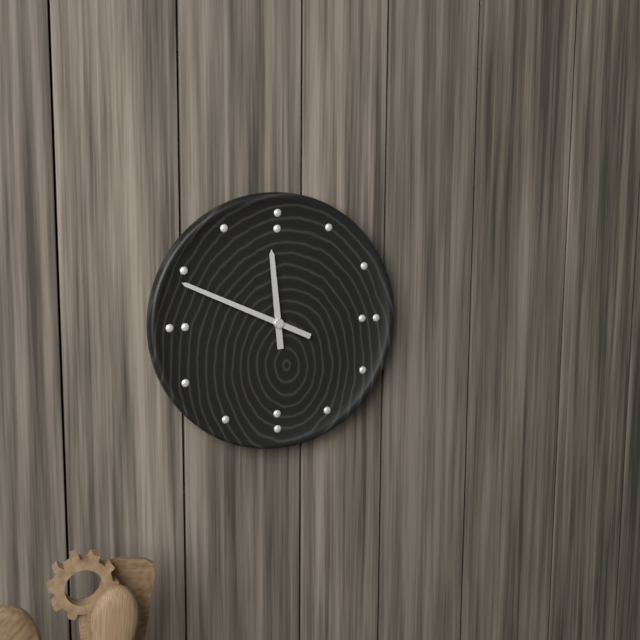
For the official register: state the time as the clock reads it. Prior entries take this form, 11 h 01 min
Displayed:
11 h 49 min
